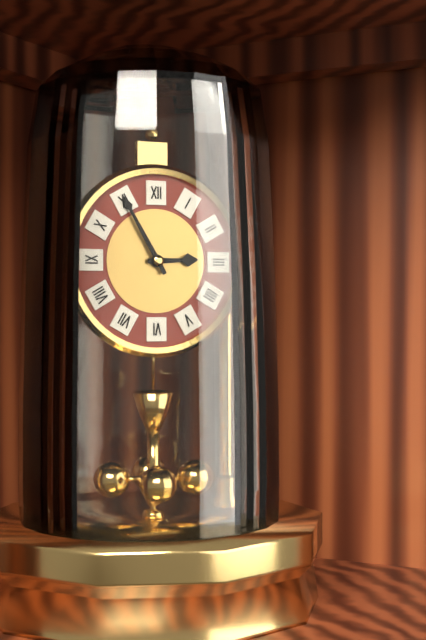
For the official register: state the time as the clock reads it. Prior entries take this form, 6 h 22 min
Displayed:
2 h 55 min
